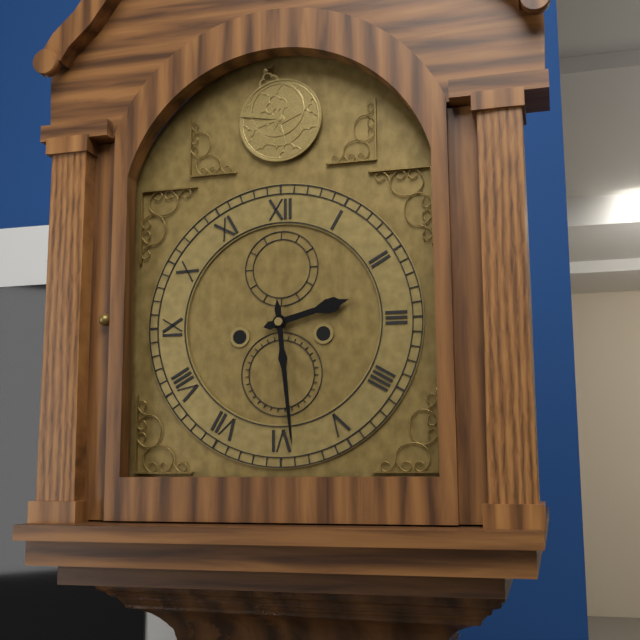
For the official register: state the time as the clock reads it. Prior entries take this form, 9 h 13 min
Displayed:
2 h 29 min
